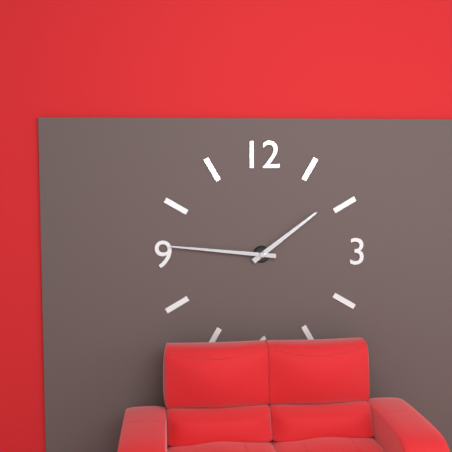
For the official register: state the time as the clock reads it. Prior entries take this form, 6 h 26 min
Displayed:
1 h 46 min
